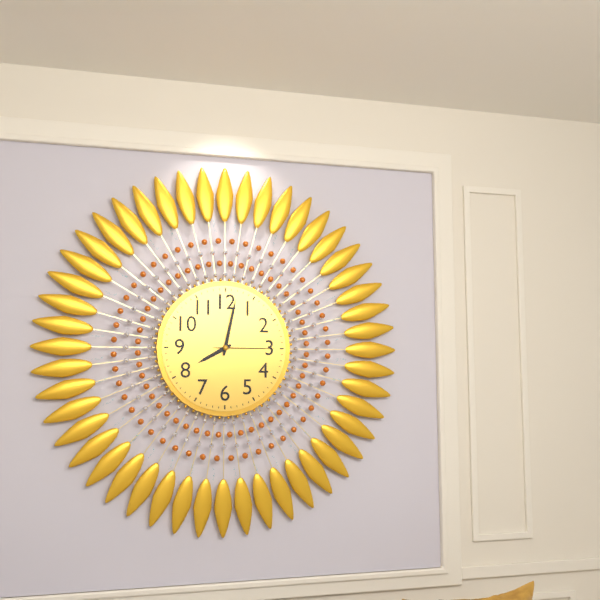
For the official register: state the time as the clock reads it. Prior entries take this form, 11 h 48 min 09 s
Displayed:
8 h 02 min 15 s
